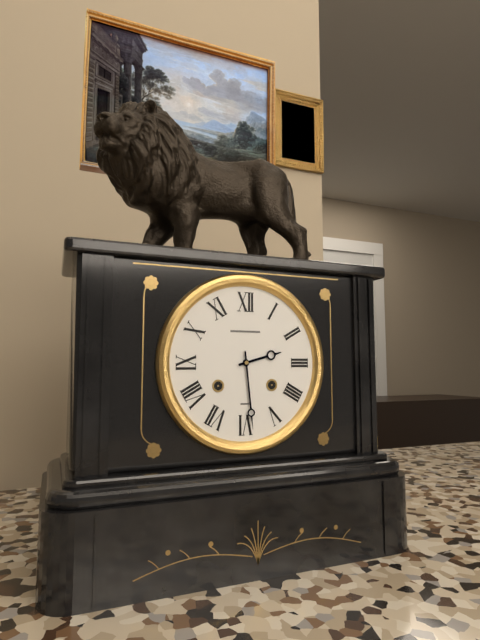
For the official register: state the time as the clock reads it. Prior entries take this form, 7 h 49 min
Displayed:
2 h 29 min
